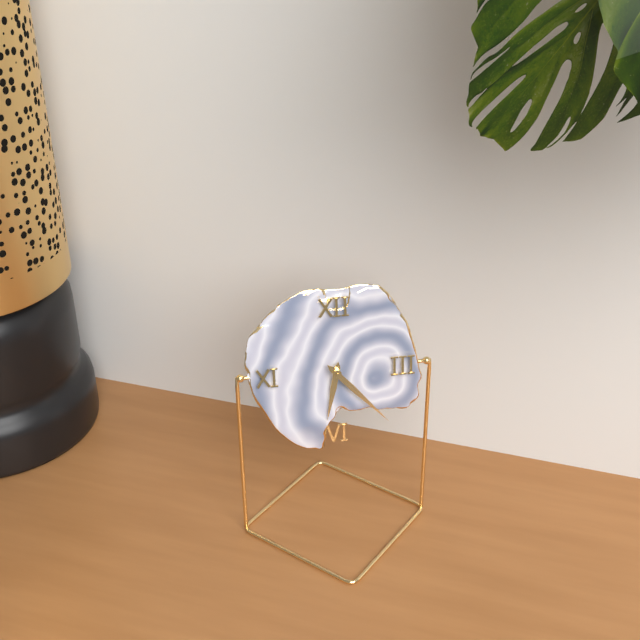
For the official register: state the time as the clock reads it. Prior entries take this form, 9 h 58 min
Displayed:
6 h 23 min
